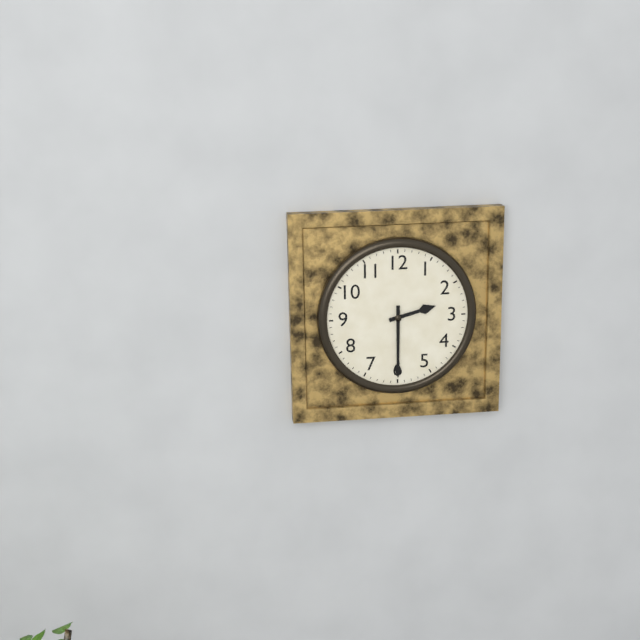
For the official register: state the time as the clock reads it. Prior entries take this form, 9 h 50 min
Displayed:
2 h 30 min
